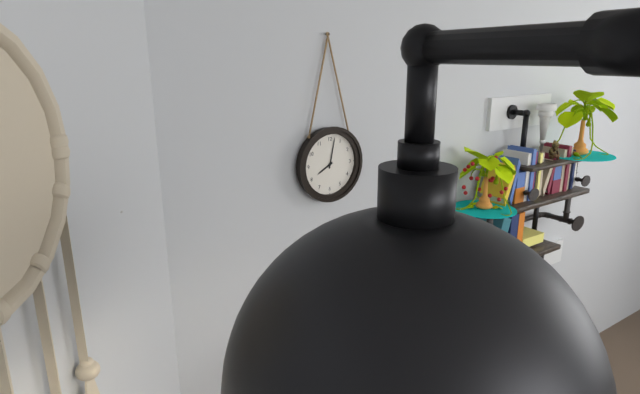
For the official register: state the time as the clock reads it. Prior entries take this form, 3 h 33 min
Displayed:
8 h 02 min
